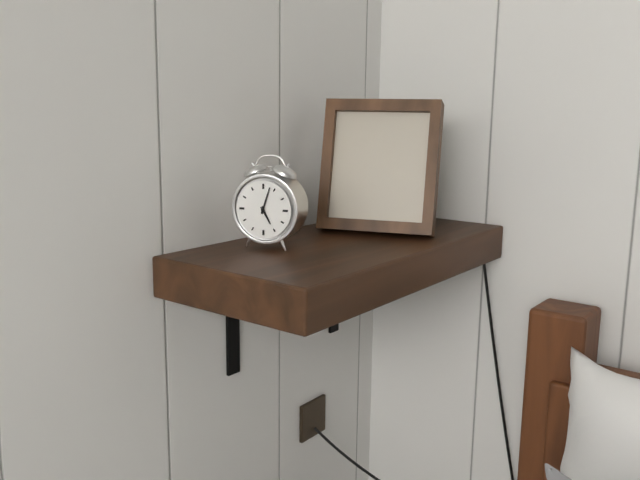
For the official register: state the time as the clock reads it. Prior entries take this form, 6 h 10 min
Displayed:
5 h 03 min
